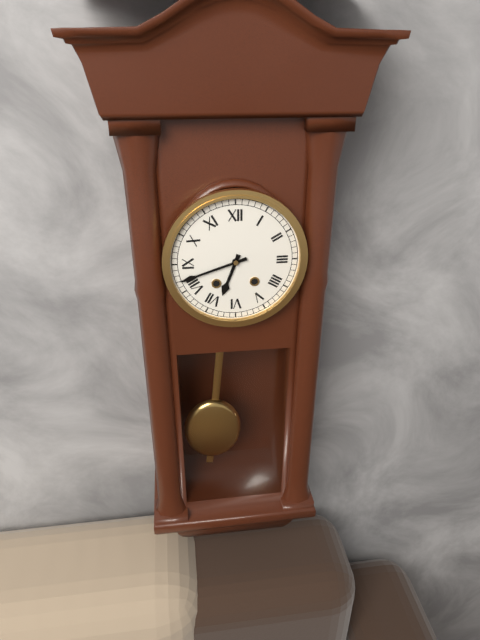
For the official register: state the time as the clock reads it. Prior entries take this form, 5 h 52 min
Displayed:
6 h 42 min
